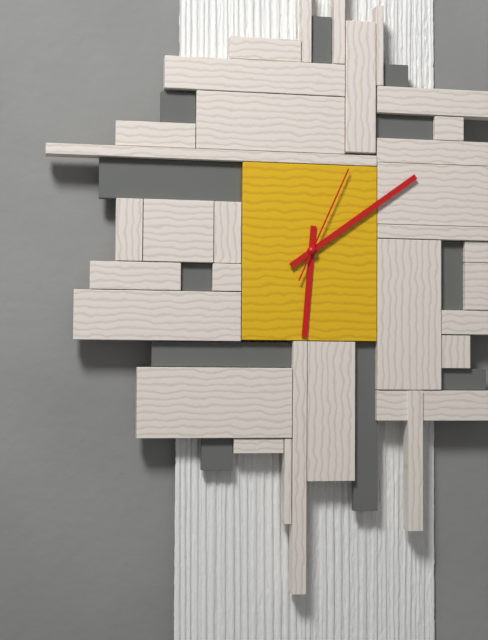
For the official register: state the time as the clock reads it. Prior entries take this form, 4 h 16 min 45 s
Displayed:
6 h 09 min 04 s
